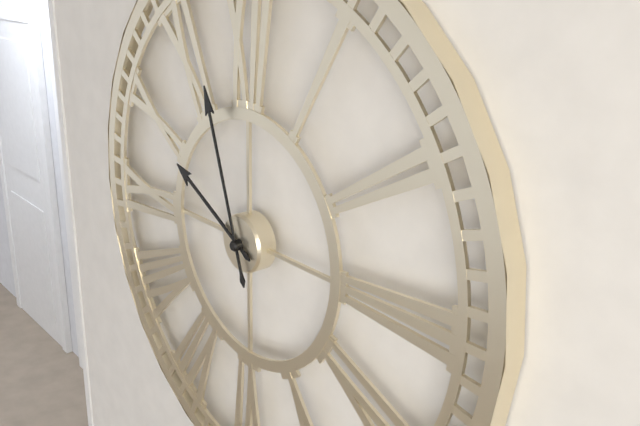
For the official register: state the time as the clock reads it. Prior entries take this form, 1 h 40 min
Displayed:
9 h 57 min
